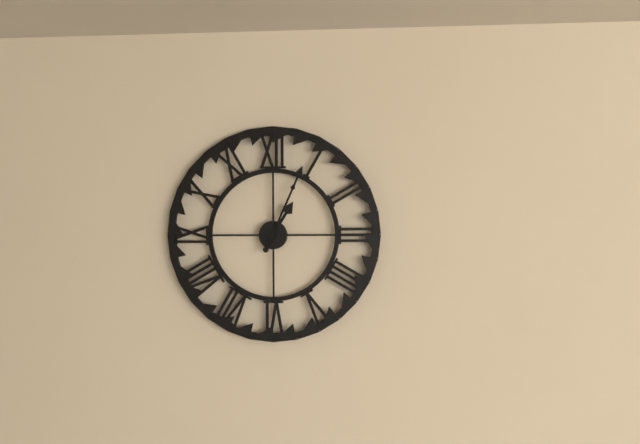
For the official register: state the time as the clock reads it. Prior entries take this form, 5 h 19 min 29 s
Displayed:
1 h 04 min 04 s
